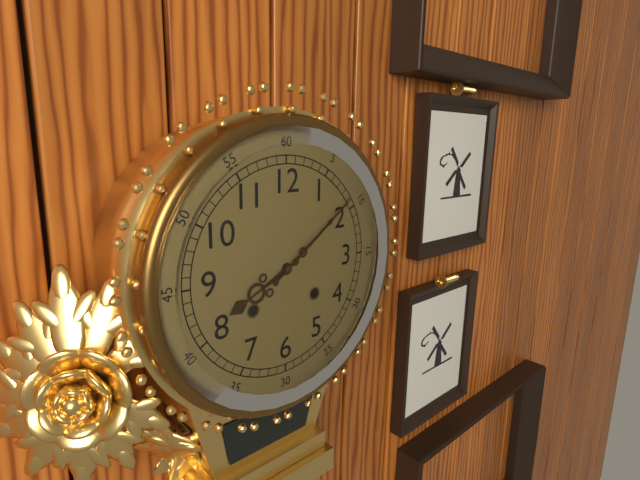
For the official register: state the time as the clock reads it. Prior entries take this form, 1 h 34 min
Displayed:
8 h 09 min
